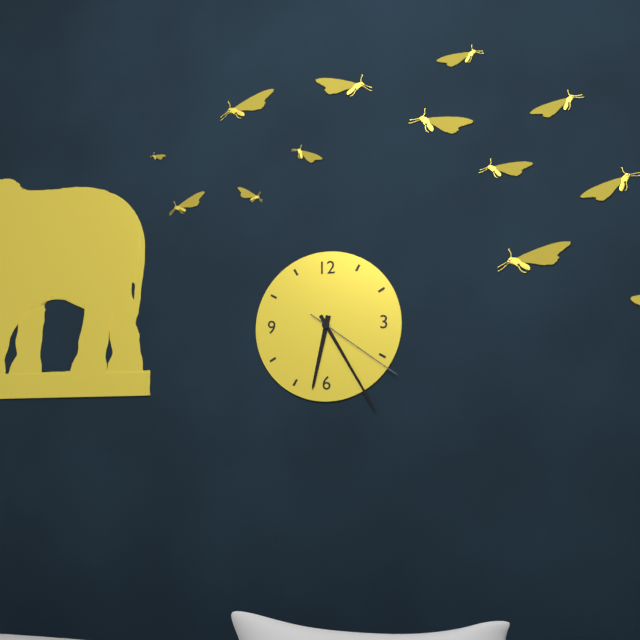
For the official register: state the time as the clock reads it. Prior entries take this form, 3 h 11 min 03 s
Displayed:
6 h 25 min 21 s
